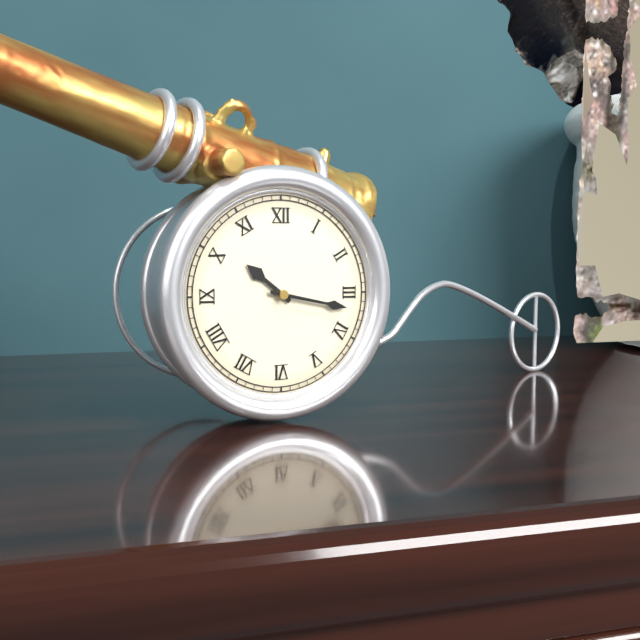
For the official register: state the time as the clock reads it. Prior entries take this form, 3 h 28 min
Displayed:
10 h 17 min
